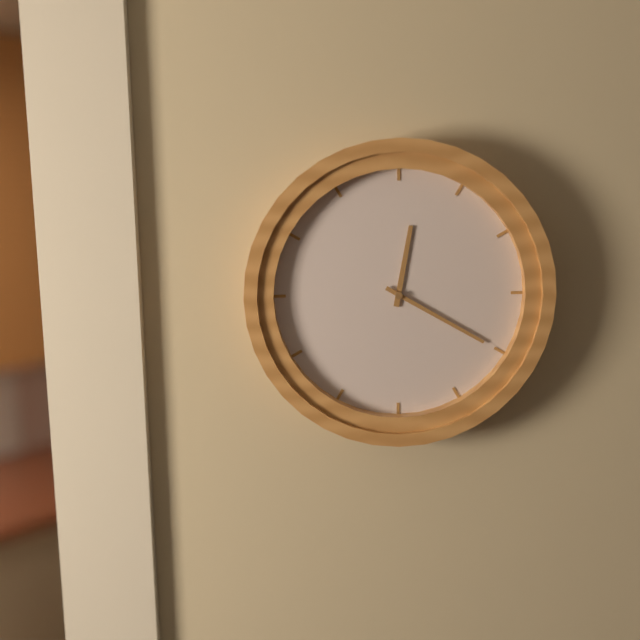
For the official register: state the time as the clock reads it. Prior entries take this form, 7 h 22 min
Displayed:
12 h 20 min
